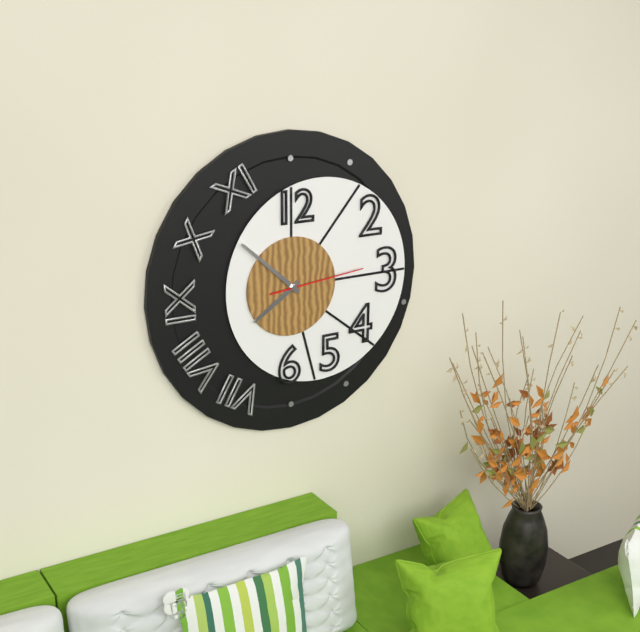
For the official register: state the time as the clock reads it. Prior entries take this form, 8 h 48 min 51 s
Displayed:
7 h 52 min 14 s
